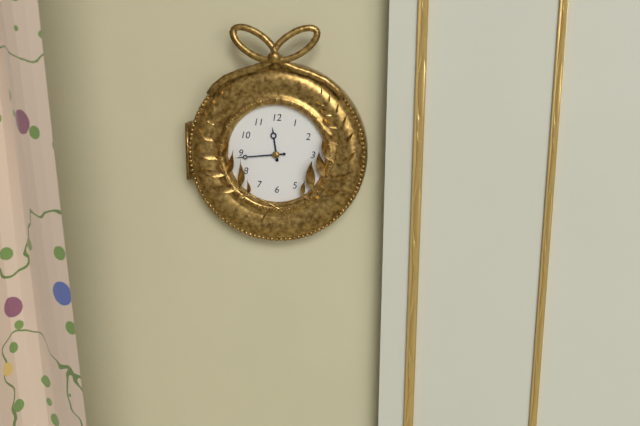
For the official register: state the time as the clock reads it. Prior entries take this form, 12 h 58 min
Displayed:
11 h 44 min
